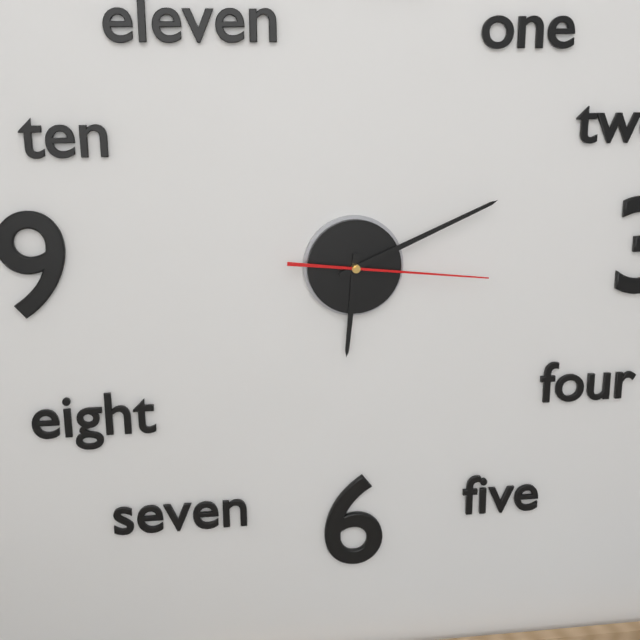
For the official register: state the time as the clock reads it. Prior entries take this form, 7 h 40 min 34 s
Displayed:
6 h 11 min 16 s
